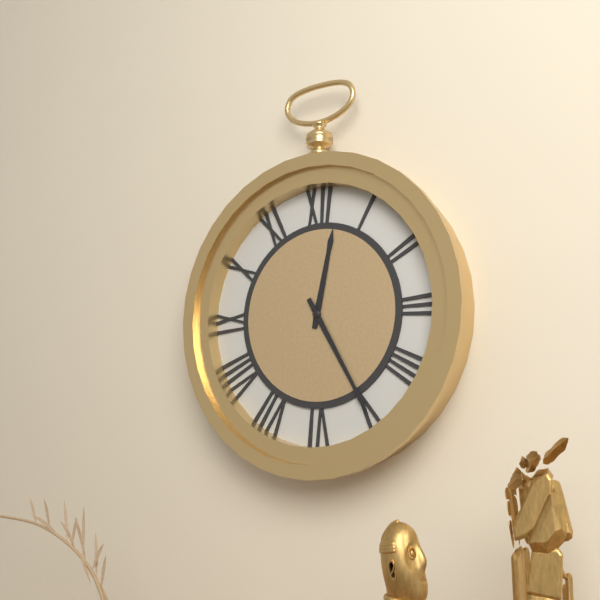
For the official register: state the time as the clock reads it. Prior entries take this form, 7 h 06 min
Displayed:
12 h 25 min
